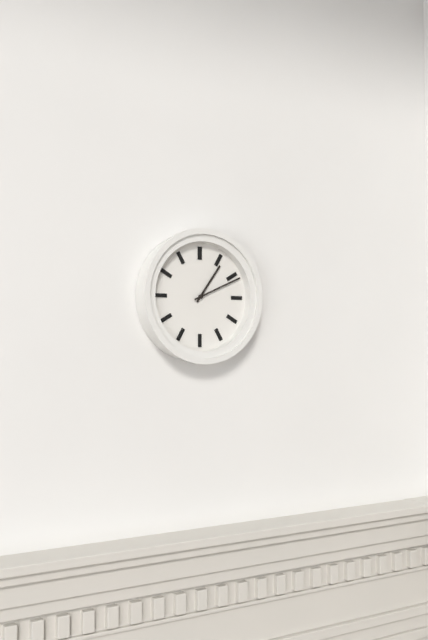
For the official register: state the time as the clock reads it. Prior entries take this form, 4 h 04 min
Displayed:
1 h 11 min
